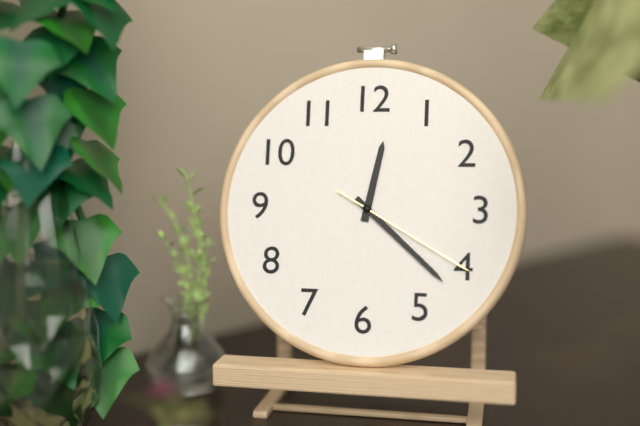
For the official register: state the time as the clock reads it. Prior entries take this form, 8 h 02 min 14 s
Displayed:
12 h 22 min 20 s
